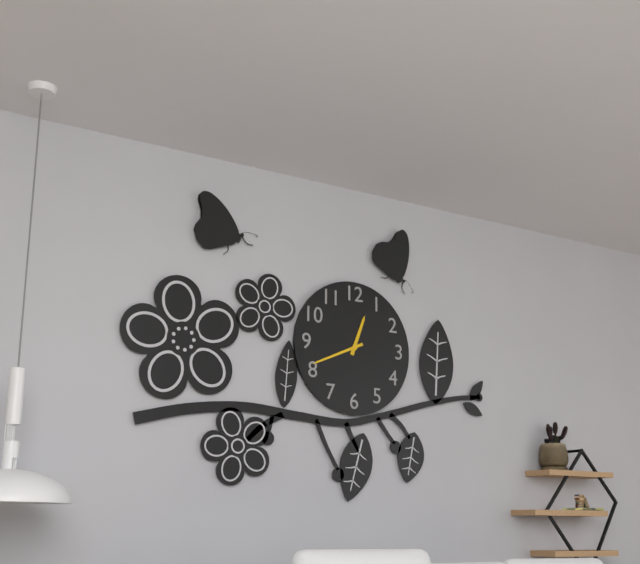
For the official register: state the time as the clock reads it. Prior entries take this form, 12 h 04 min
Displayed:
12 h 41 min
